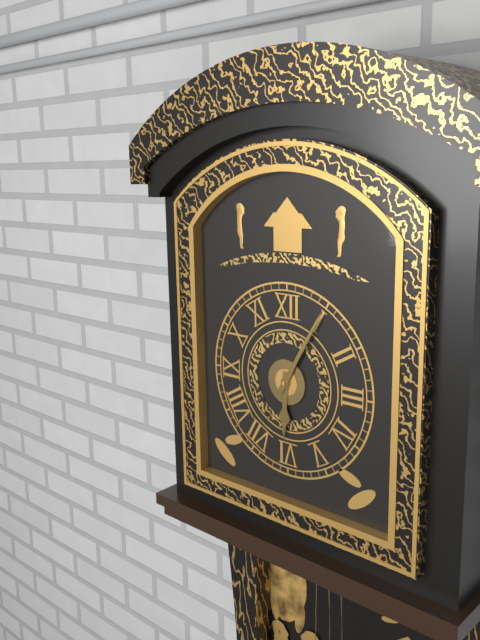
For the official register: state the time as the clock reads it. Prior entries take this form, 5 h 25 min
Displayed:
6 h 05 min
